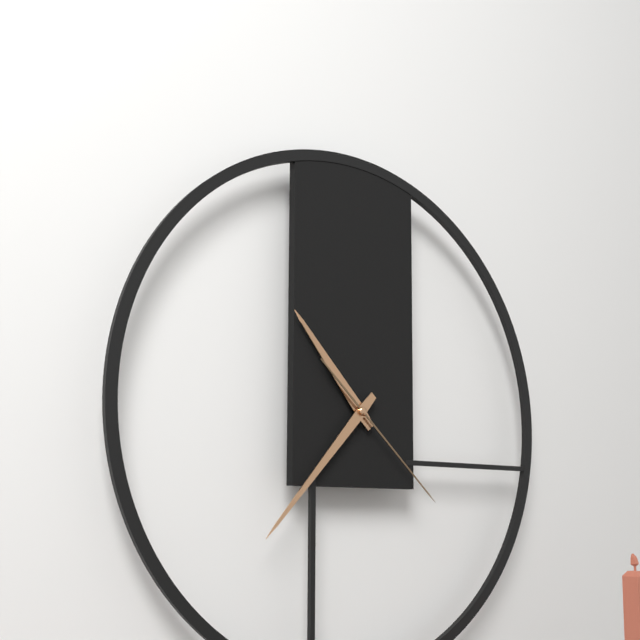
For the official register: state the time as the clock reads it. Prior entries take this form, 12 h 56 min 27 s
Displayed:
10 h 37 min 22 s
